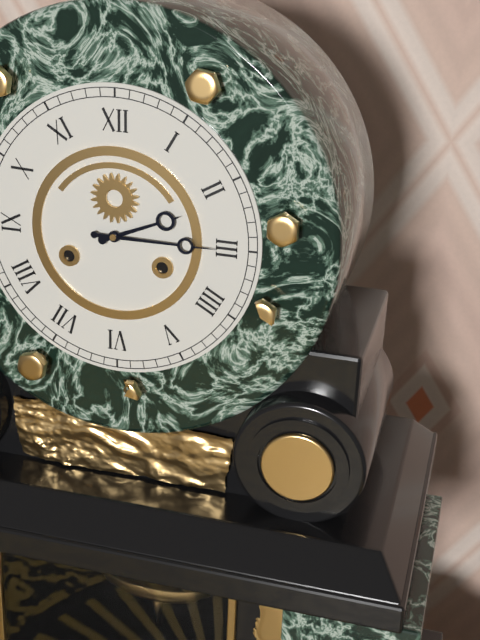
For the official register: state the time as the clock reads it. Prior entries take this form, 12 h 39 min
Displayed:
2 h 15 min
